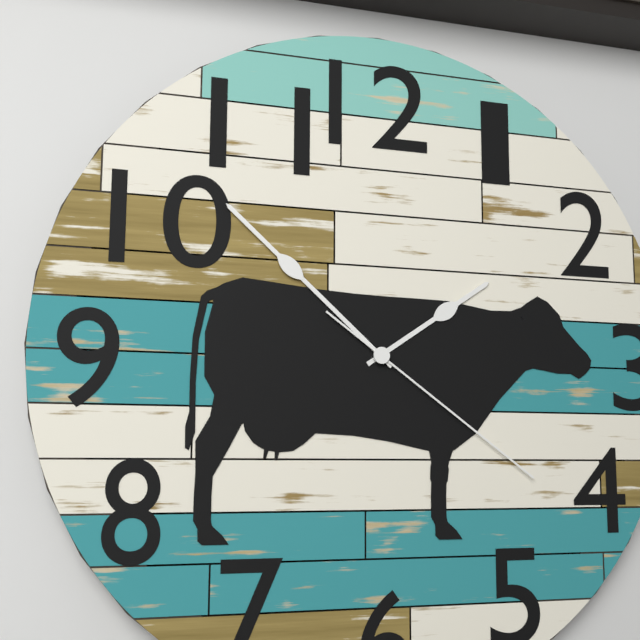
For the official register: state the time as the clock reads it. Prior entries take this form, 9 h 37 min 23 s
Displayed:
1 h 52 min 21 s
